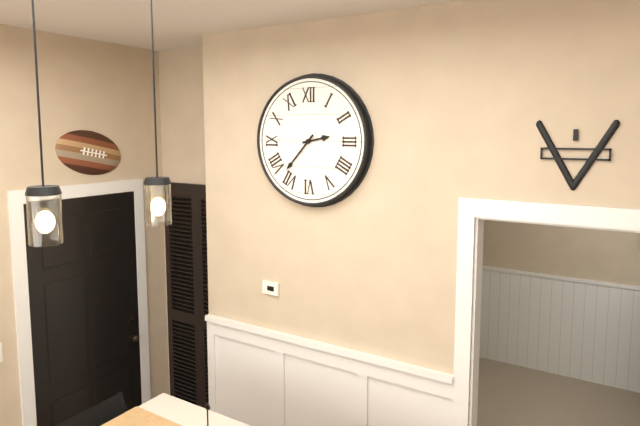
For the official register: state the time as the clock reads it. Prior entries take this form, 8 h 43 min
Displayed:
2 h 37 min
